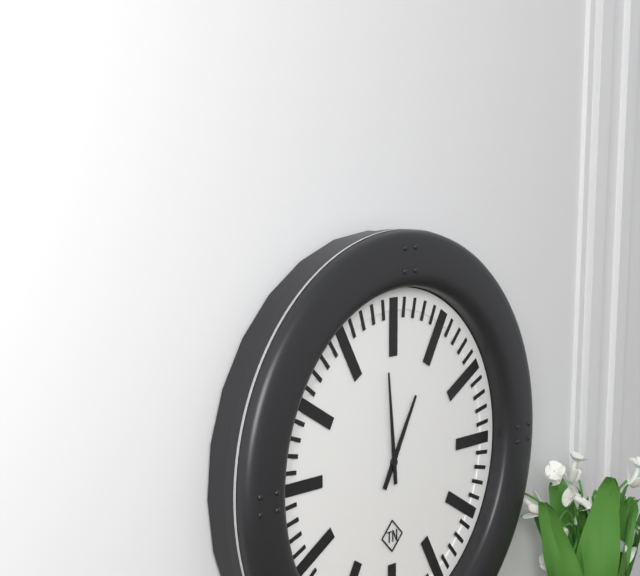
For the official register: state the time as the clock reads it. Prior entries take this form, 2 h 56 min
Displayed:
12 h 59 min
